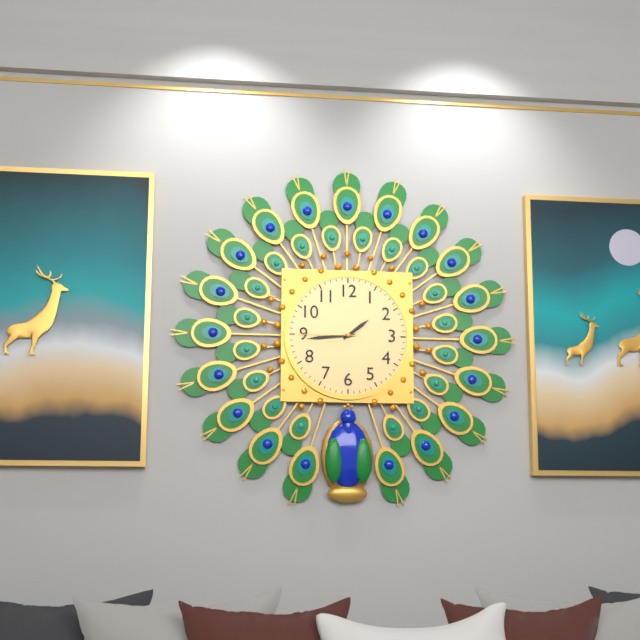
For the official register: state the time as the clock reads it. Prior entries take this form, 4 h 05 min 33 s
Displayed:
1 h 44 min 45 s
